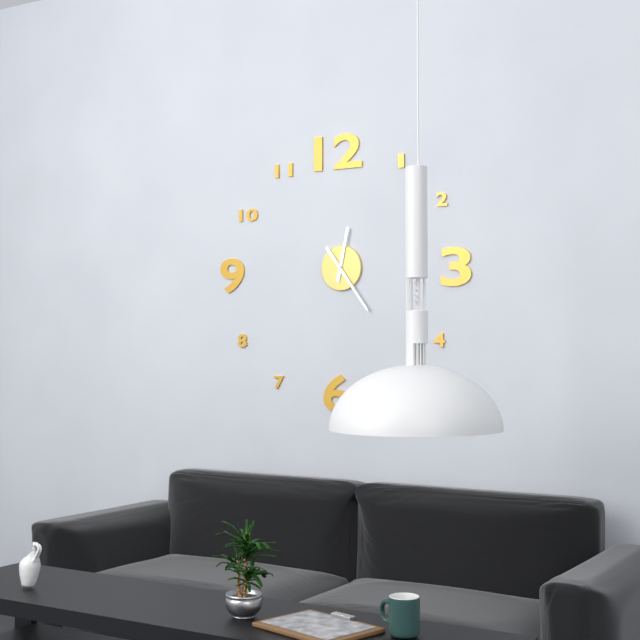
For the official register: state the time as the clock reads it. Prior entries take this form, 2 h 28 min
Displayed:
12 h 24 min
